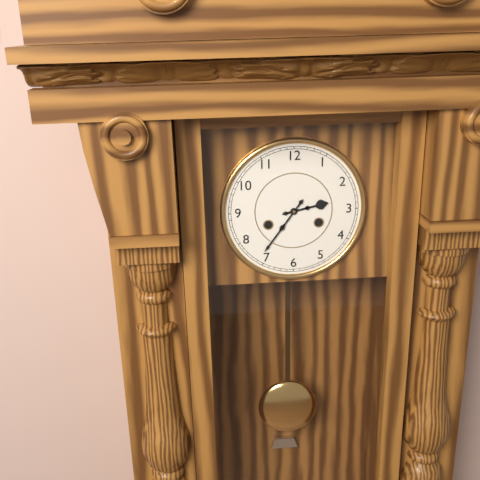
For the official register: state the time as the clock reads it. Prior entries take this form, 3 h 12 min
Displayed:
2 h 36 min
